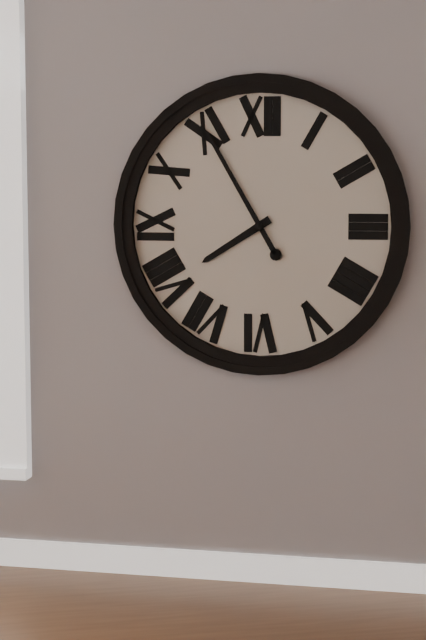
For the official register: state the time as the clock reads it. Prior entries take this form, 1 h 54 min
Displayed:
7 h 55 min
